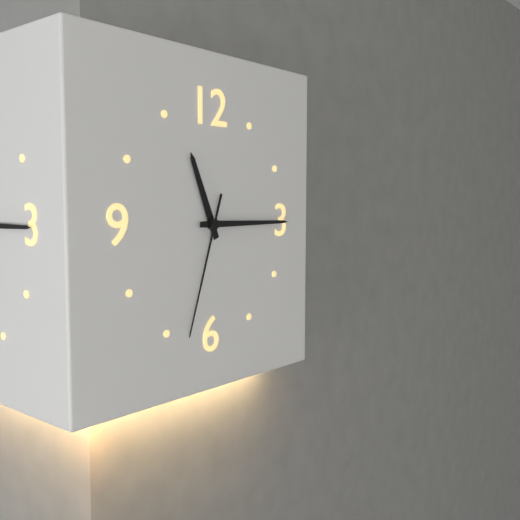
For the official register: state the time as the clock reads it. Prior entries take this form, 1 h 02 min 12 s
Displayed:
11 h 15 min 33 s
